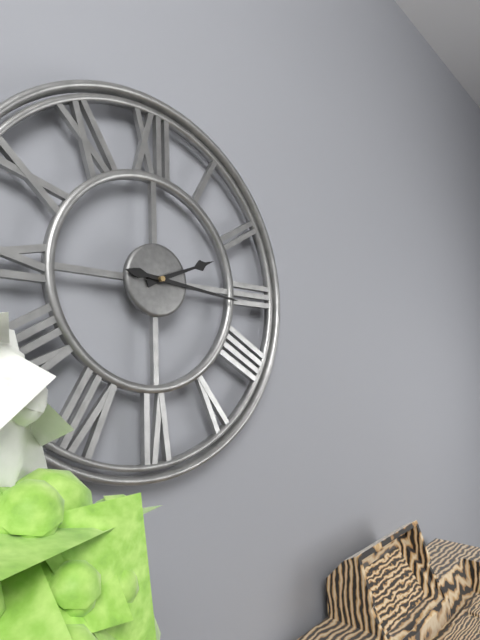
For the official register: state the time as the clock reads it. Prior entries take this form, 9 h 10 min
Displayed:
2 h 16 min
